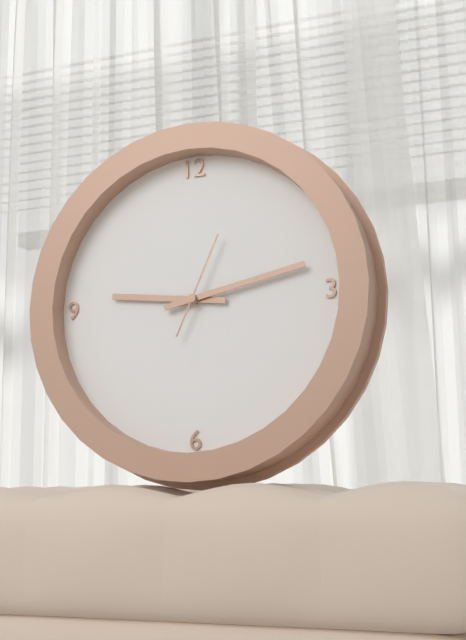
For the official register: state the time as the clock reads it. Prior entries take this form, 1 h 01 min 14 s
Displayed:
9 h 13 min 04 s
